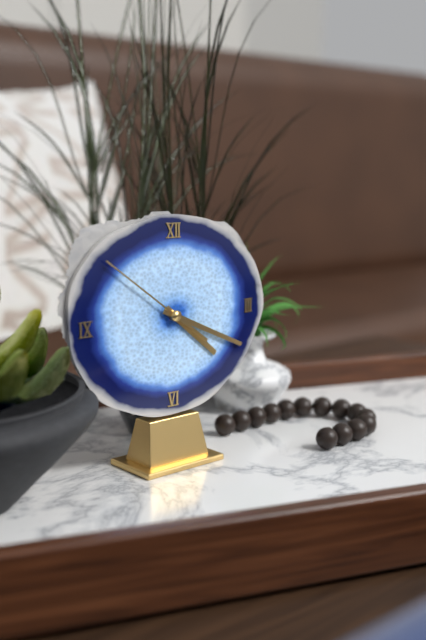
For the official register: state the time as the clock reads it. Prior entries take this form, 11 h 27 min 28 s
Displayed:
4 h 19 min 51 s
